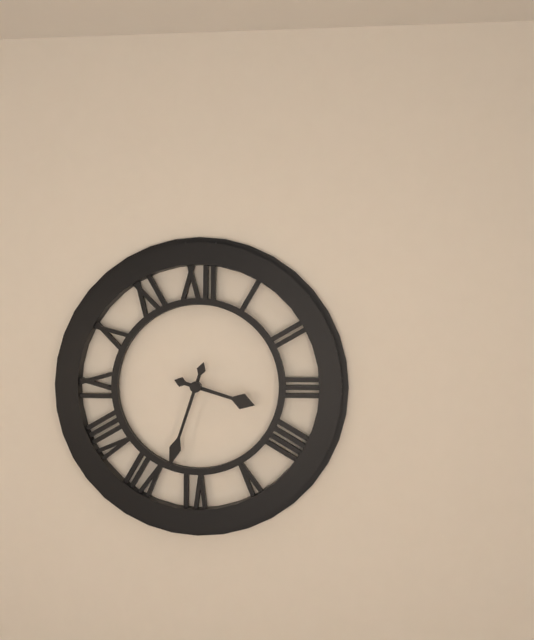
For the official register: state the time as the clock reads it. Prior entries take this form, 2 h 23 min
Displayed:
3 h 33 min
